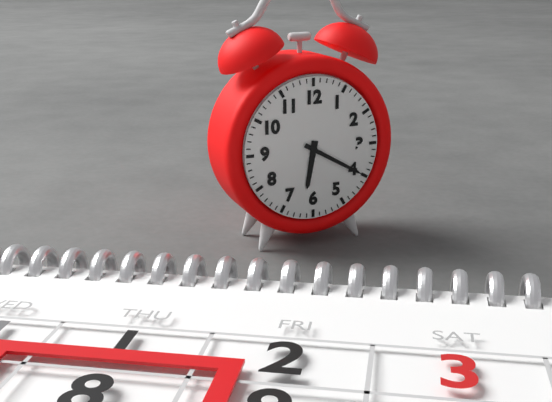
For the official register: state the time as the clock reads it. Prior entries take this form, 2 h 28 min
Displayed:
6 h 20 min
